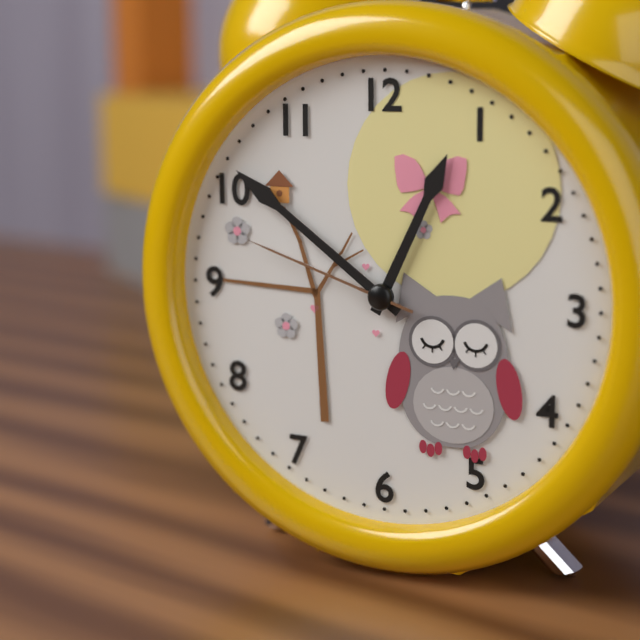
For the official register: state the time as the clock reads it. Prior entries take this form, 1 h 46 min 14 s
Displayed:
12 h 51 min 48 s
